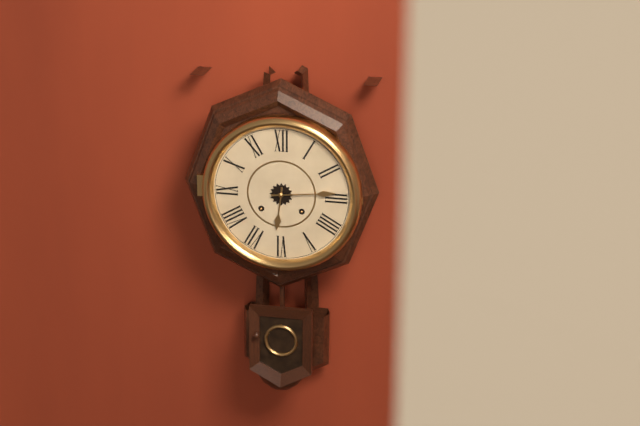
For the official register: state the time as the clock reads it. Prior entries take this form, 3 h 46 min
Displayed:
6 h 14 min
